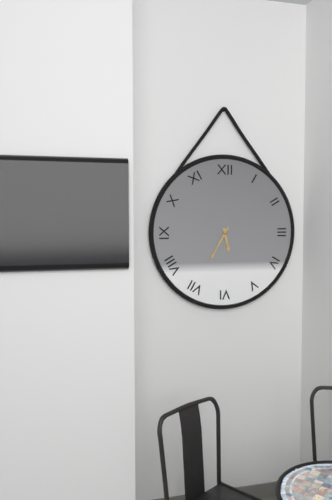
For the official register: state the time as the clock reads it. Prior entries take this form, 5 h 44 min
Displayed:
5 h 35 min
